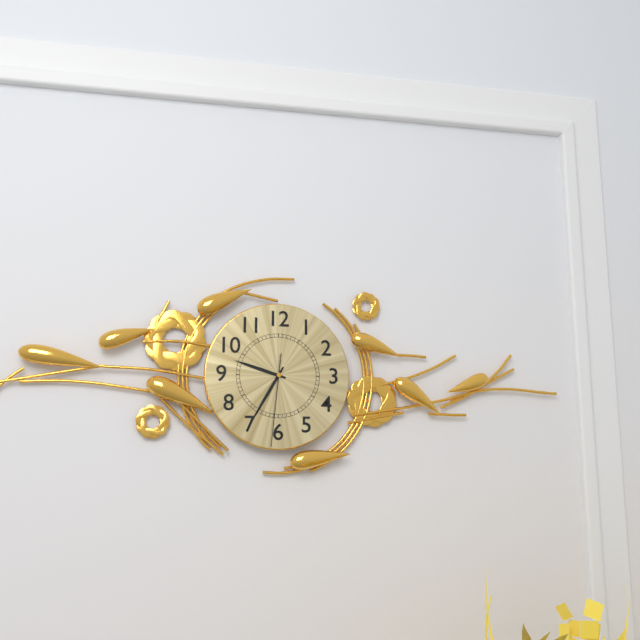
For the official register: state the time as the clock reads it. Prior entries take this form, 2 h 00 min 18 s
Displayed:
9 h 35 min 31 s
